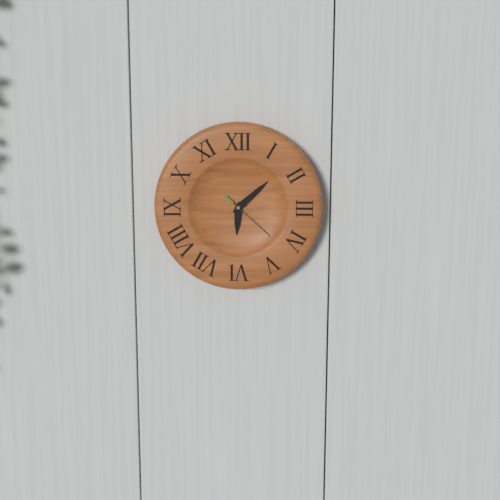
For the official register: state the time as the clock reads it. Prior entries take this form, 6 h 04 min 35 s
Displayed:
6 h 08 min 22 s
